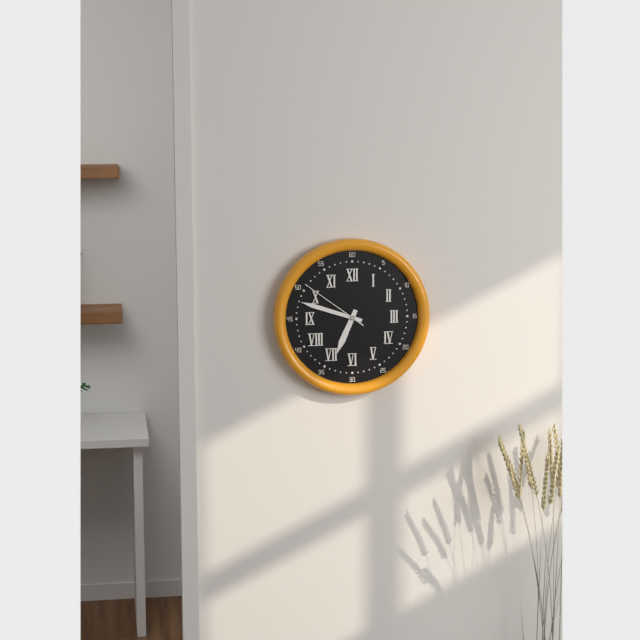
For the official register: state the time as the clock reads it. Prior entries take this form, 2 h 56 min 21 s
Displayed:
6 h 48 min 51 s
